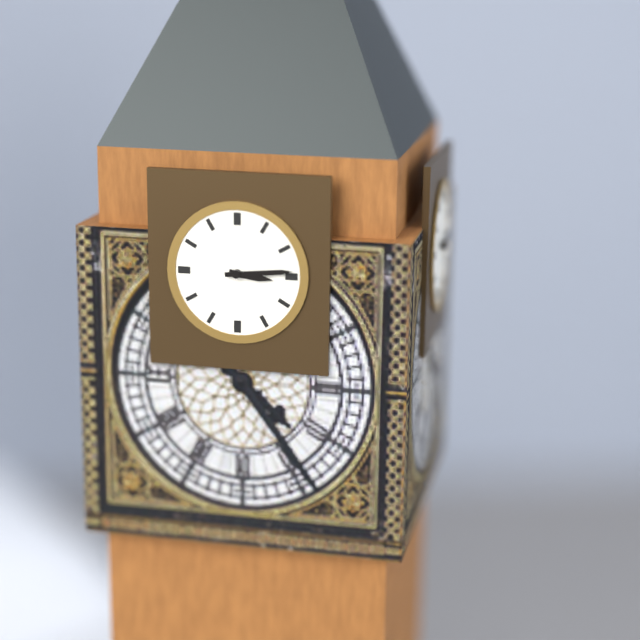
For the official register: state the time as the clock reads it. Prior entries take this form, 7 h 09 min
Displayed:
3 h 14 min
